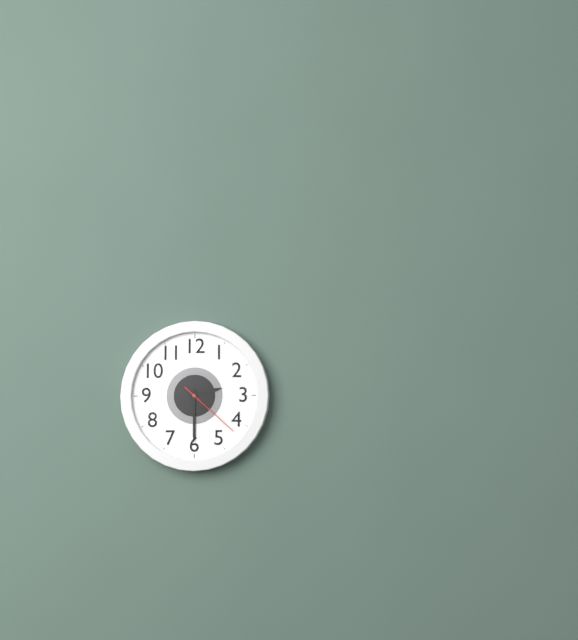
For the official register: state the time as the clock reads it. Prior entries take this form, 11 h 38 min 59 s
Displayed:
2 h 30 min 22 s
